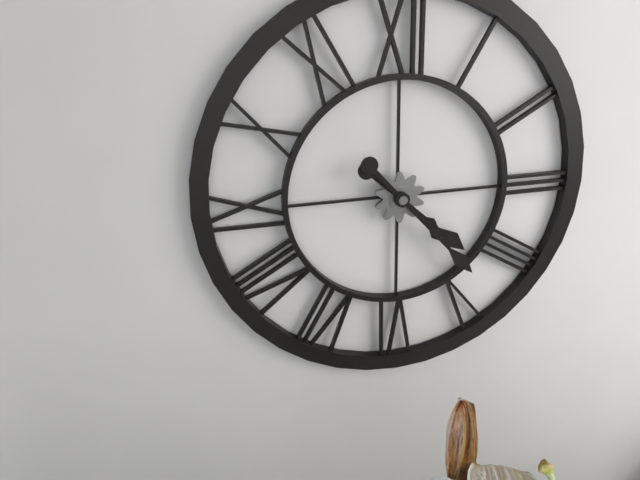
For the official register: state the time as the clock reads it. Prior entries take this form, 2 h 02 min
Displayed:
4 h 23 min
